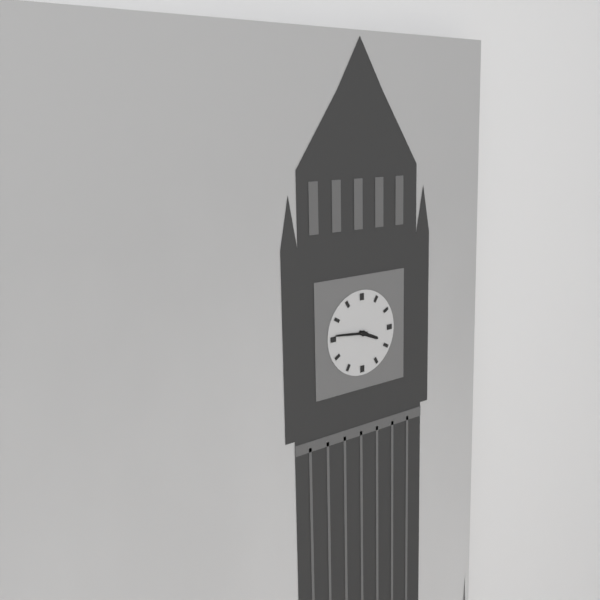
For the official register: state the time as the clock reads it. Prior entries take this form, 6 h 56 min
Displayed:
3 h 46 min
